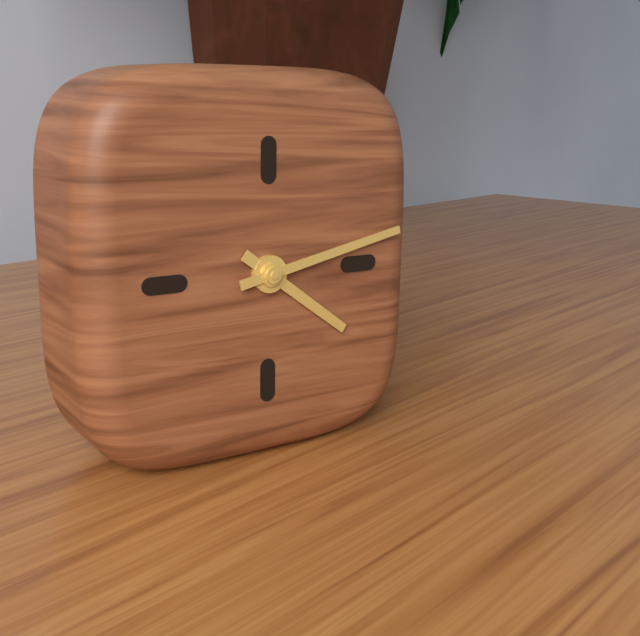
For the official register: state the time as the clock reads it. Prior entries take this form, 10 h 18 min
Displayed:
4 h 13 min
